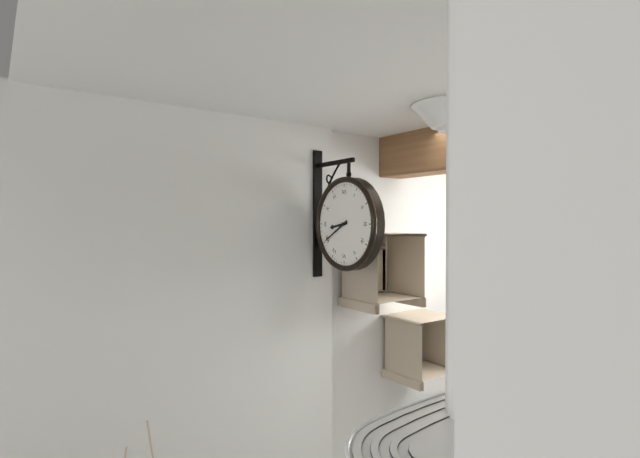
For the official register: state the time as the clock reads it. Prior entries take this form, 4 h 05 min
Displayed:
8 h 40 min
